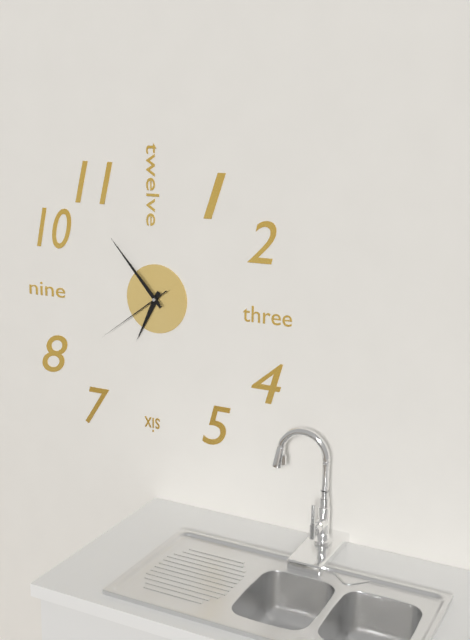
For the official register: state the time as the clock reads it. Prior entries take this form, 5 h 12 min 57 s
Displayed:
6 h 53 min 39 s
